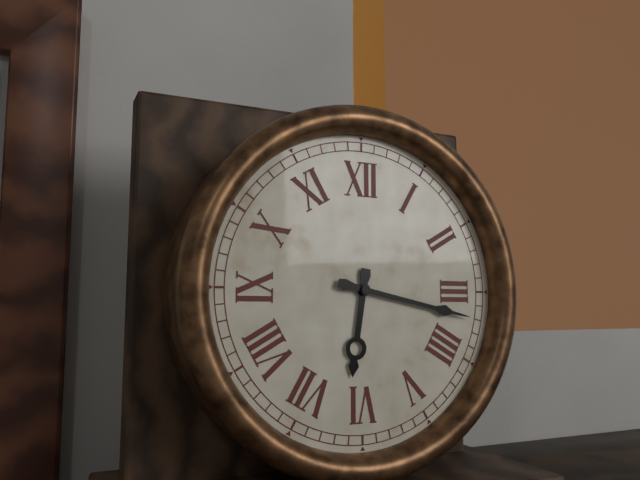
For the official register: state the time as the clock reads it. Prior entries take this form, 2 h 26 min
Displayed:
6 h 17 min
